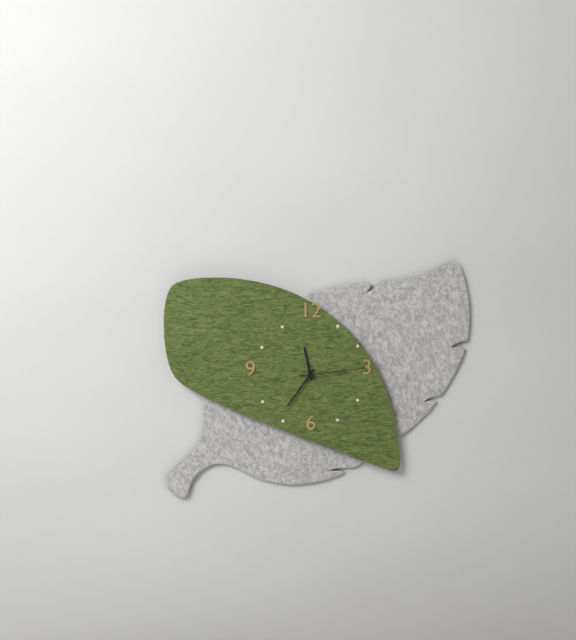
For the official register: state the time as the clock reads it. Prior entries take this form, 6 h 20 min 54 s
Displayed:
11 h 36 min 14 s
